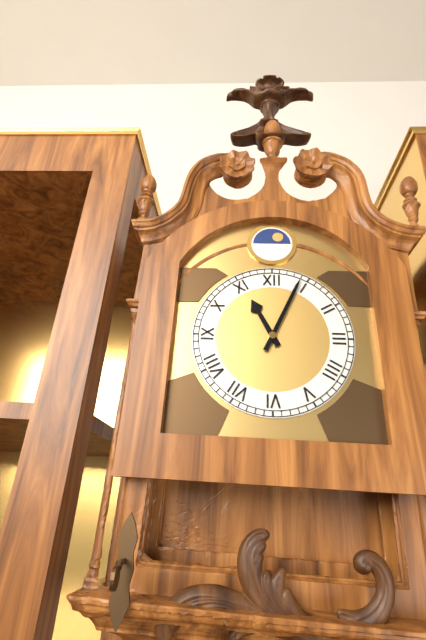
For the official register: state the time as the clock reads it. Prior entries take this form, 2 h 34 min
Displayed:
11 h 04 min
